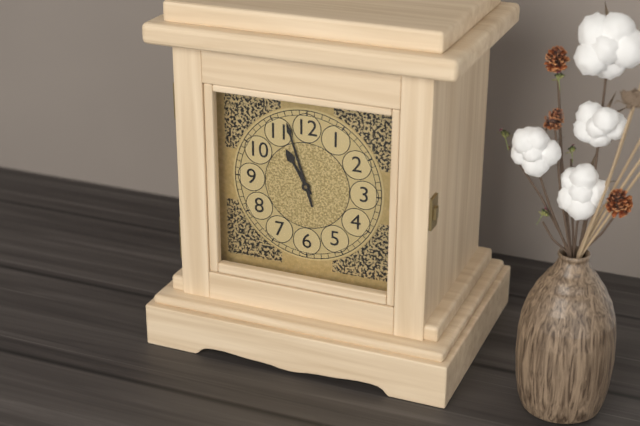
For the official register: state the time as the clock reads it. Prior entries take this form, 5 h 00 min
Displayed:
10 h 57 min
